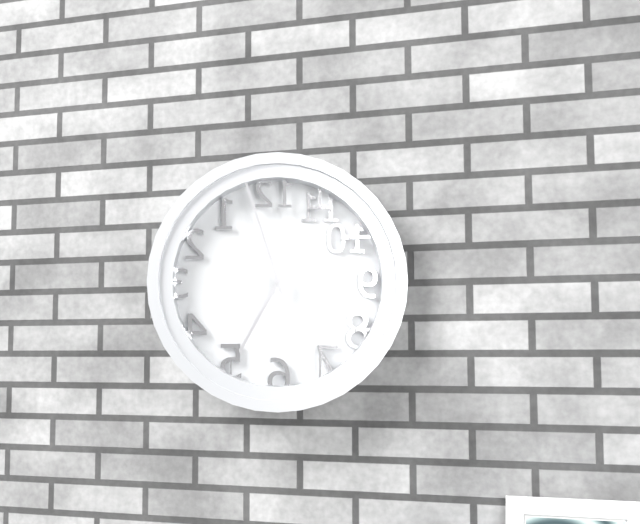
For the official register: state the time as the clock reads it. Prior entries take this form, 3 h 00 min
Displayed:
6 h 57 min
